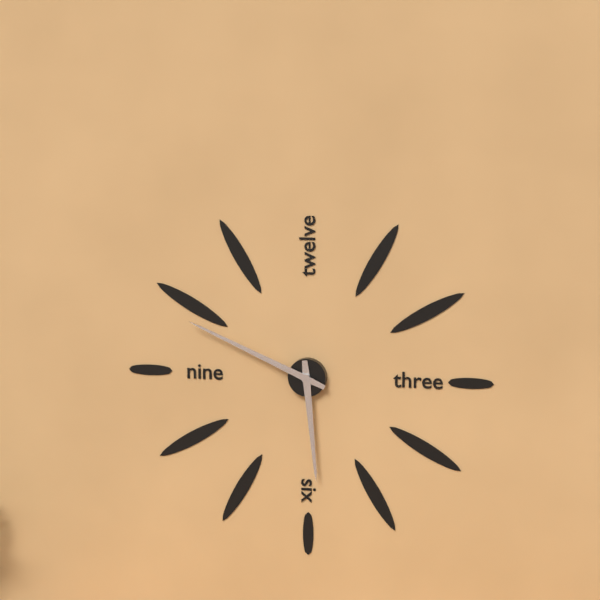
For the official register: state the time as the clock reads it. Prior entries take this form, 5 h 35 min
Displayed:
5 h 49 min
